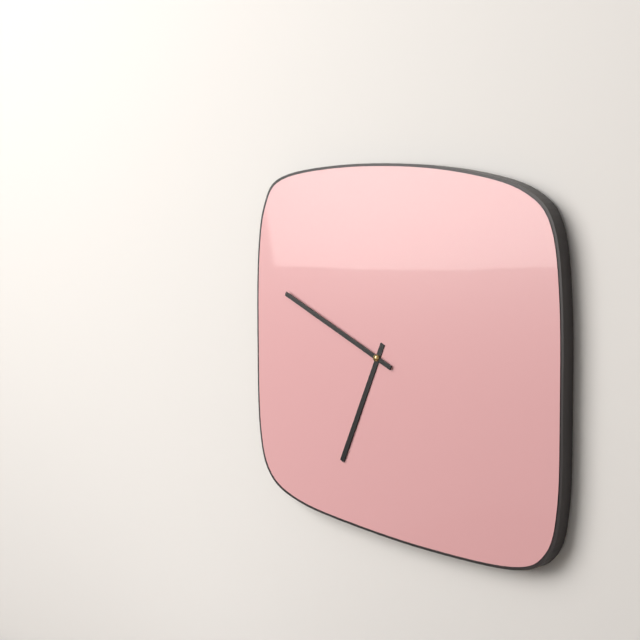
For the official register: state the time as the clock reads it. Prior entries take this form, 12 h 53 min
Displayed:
6 h 49 min
